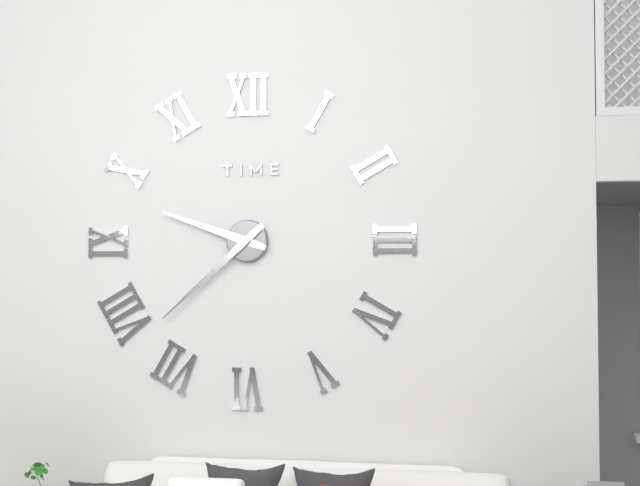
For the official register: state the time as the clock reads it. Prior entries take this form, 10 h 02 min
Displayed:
9 h 38 min
